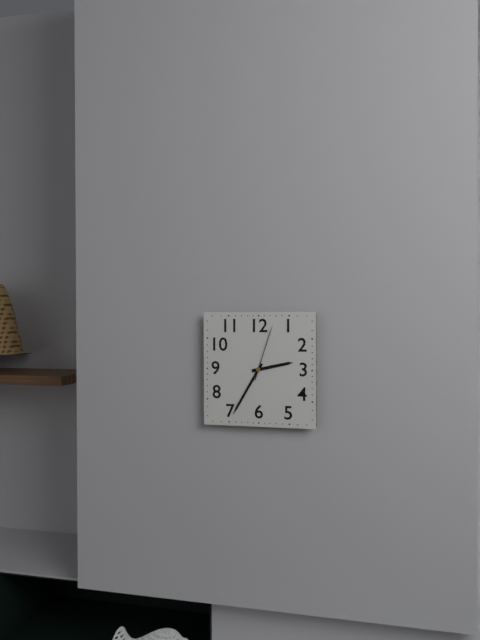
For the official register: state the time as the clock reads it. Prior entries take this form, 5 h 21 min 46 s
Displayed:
2 h 35 min 03 s
